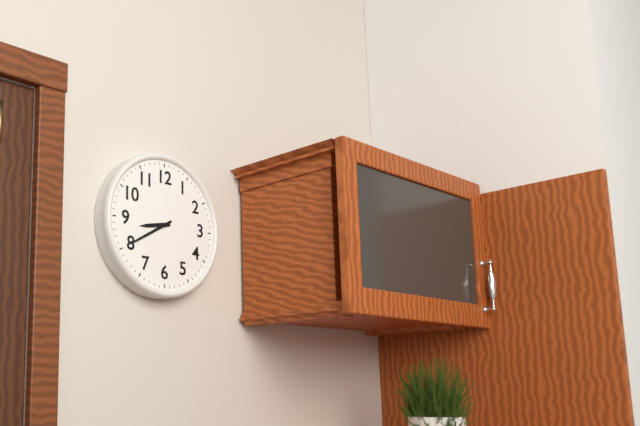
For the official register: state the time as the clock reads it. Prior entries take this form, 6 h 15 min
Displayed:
8 h 40 min
